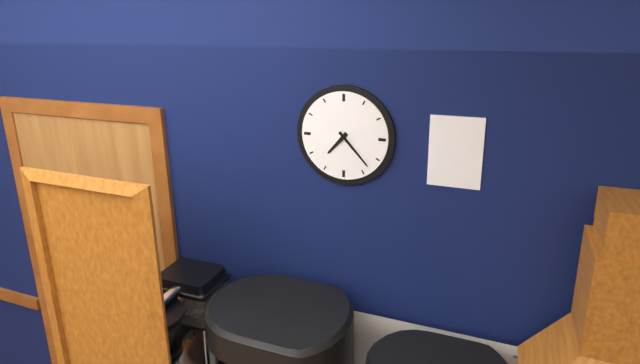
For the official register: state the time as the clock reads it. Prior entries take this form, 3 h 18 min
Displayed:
7 h 23 min
